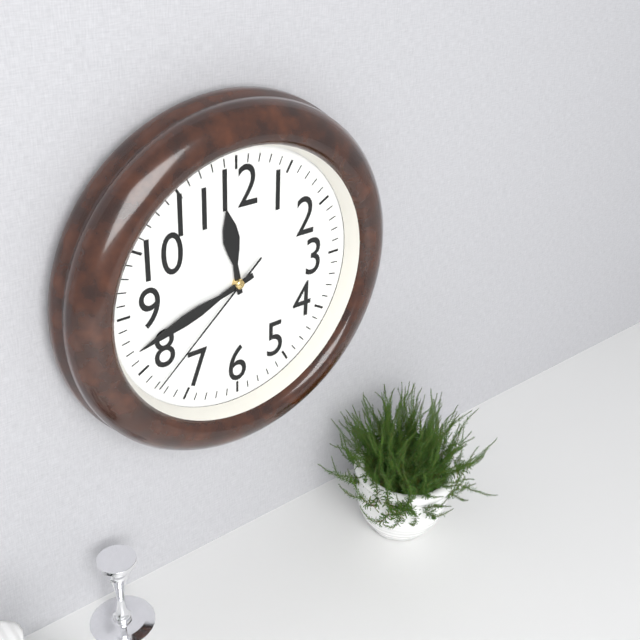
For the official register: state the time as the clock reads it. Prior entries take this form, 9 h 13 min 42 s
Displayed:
11 h 42 min 38 s
